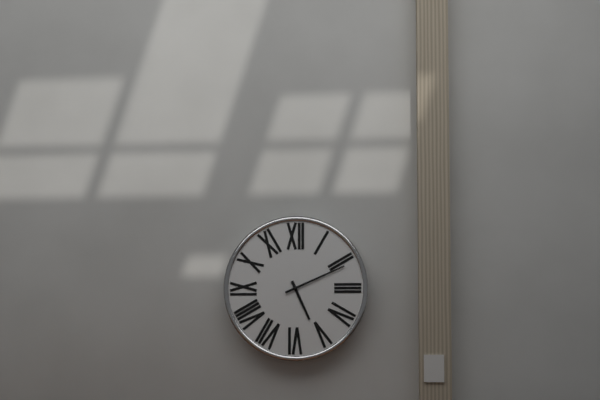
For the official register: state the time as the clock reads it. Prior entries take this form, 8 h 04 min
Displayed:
5 h 11 min
